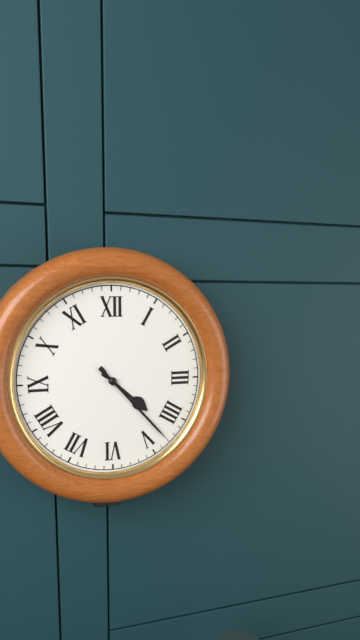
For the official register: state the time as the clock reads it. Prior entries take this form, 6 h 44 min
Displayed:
4 h 23 min
